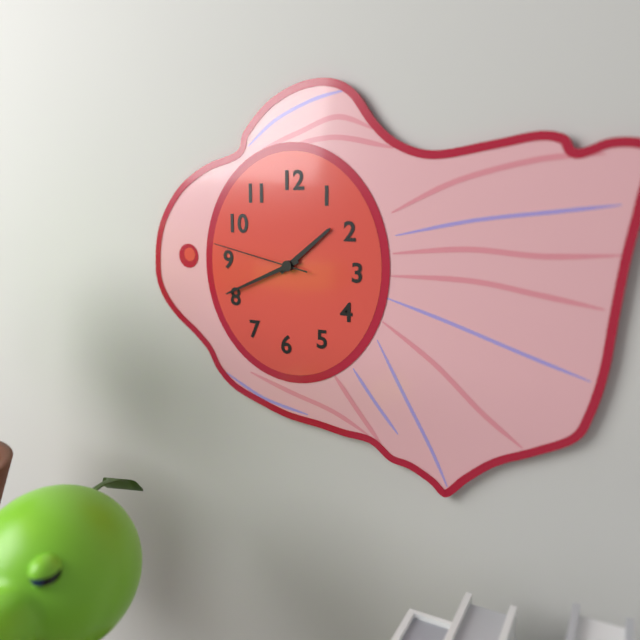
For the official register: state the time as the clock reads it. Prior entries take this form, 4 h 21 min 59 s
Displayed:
1 h 41 min 47 s
